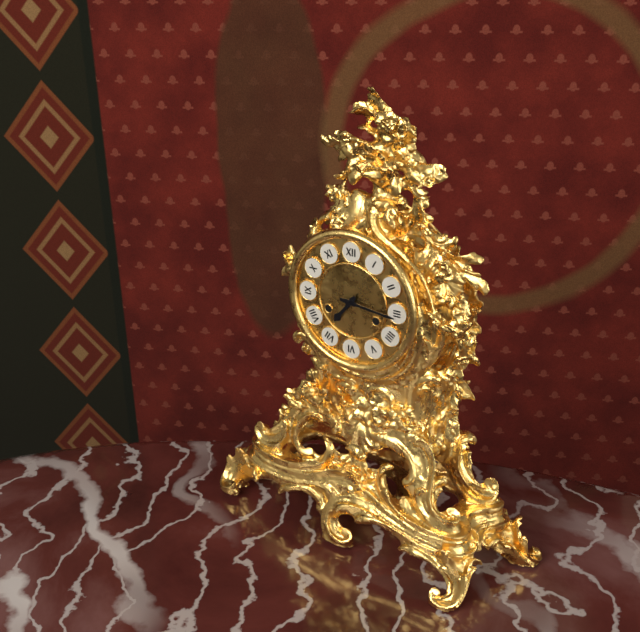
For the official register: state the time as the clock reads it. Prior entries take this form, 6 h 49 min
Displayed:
7 h 16 min
